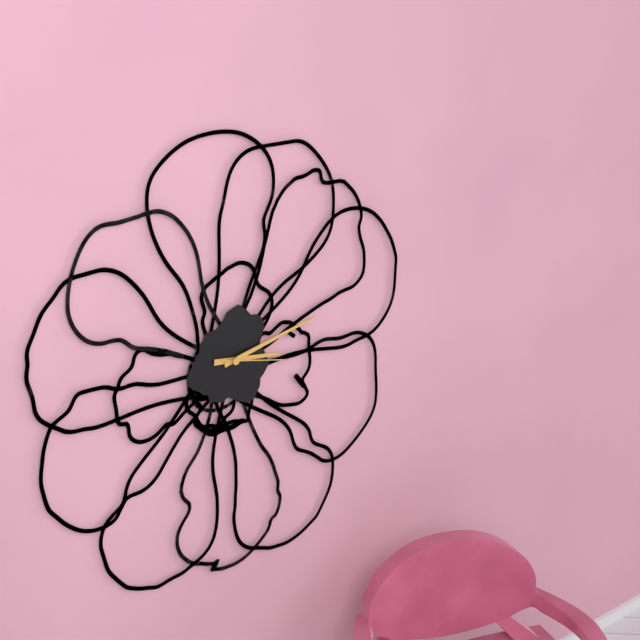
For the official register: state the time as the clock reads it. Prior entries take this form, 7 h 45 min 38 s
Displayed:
3 h 13 min 17 s
